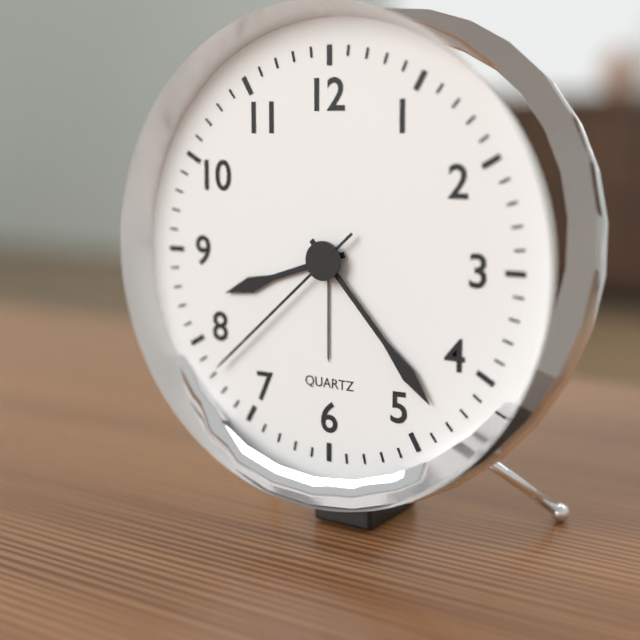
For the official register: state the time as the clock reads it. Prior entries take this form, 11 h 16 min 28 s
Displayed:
8 h 23 min 38 s
